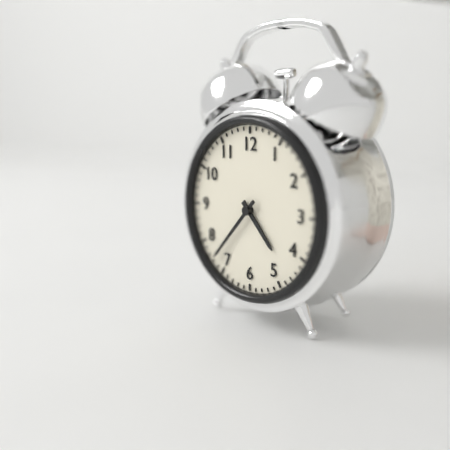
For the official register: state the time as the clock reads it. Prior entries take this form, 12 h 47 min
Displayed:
4 h 37 min
